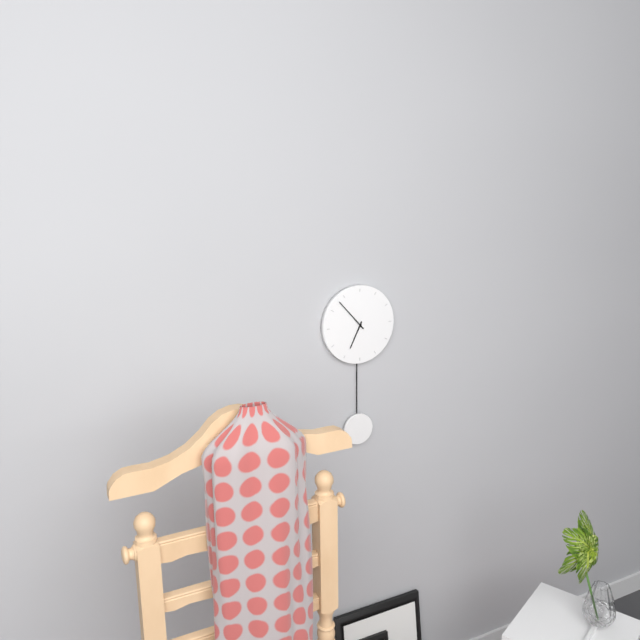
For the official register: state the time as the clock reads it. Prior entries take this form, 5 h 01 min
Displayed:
6 h 53 min
